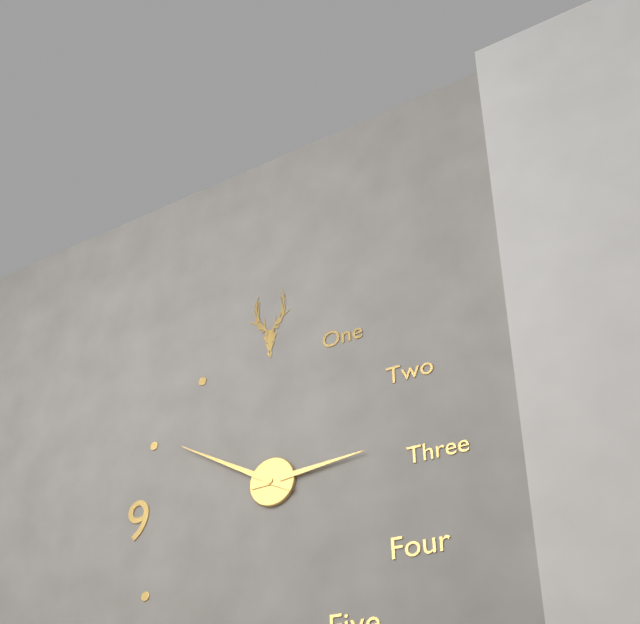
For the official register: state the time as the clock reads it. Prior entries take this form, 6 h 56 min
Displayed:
2 h 50 min
